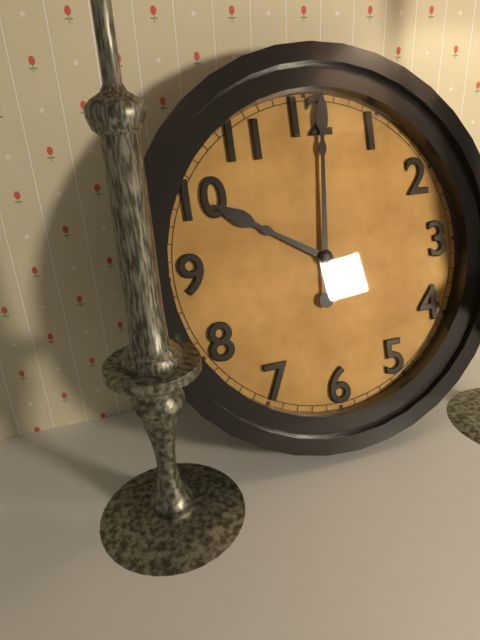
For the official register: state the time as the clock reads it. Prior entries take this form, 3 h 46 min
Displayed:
10 h 01 min
